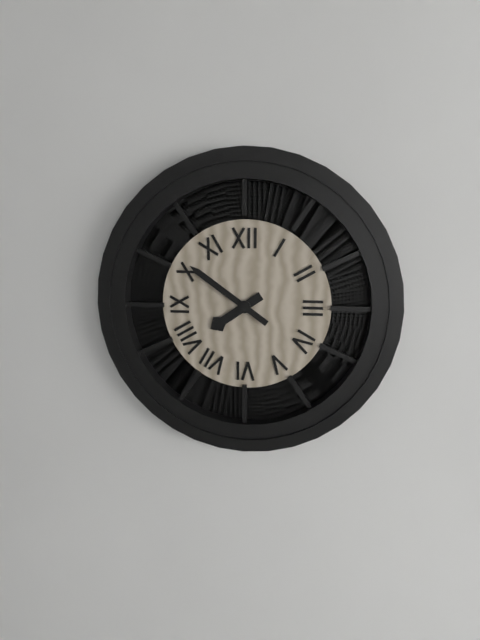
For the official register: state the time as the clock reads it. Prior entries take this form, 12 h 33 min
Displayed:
7 h 51 min
